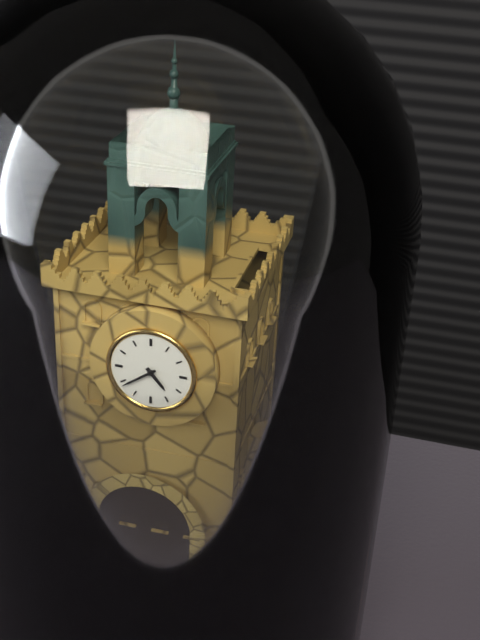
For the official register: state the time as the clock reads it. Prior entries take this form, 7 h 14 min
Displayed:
4 h 39 min
